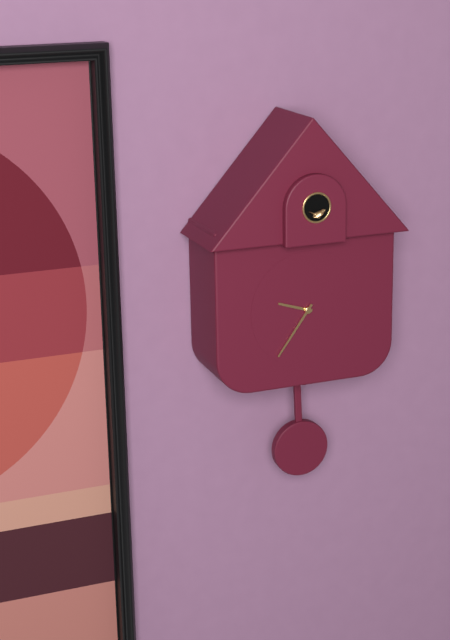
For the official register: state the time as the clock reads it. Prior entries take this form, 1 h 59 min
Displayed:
9 h 36 min
